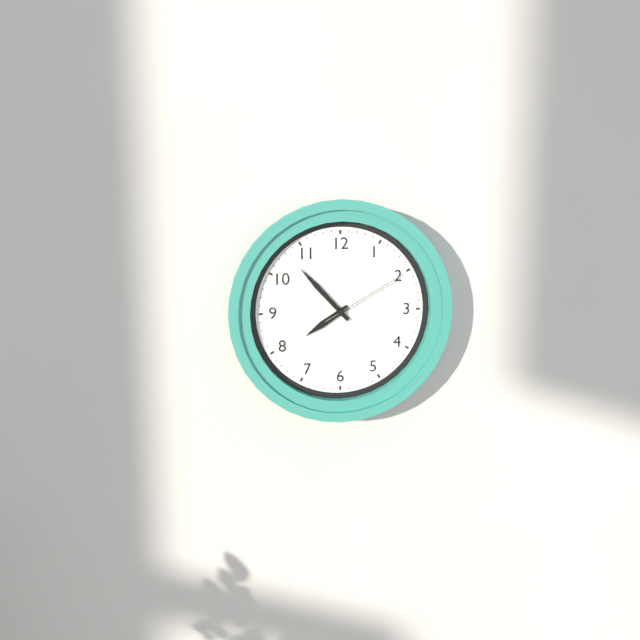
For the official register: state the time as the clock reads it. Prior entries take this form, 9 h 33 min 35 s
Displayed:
7 h 53 min 10 s
